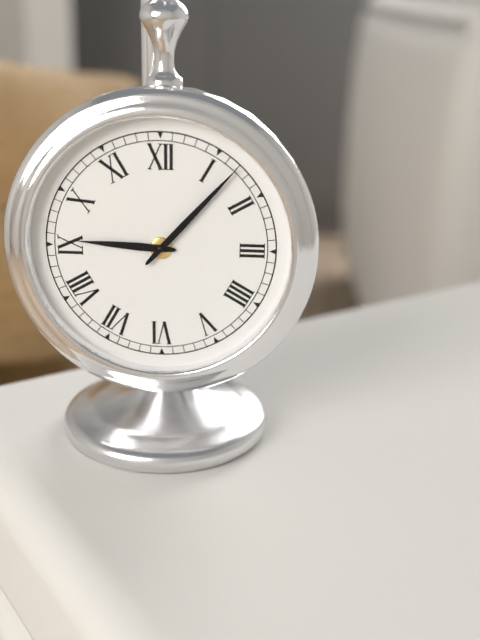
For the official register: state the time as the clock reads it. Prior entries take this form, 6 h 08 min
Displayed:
9 h 07 min
